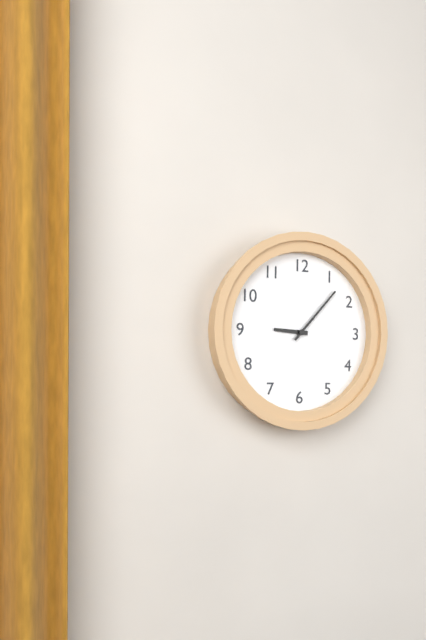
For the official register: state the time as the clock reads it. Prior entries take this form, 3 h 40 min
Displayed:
9 h 07 min
